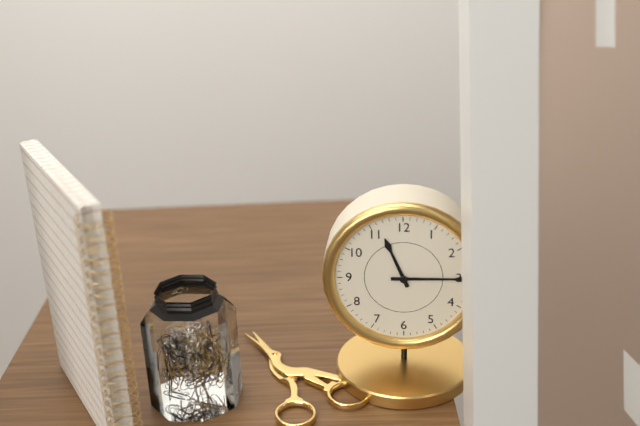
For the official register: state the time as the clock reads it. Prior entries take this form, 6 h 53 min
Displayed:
11 h 15 min
